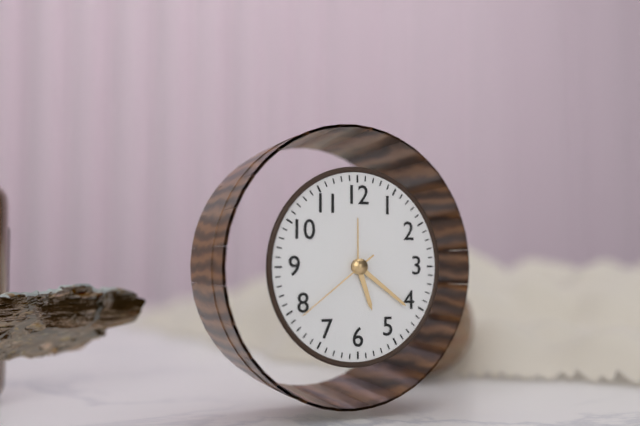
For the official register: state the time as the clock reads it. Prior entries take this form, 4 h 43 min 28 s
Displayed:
5 h 21 min 39 s
